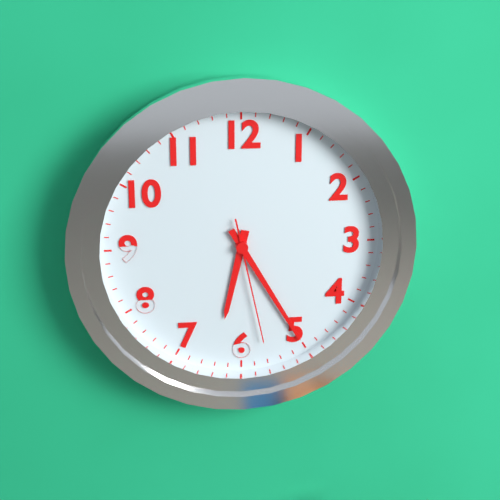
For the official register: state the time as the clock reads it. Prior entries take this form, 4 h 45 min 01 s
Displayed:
6 h 25 min 28 s
